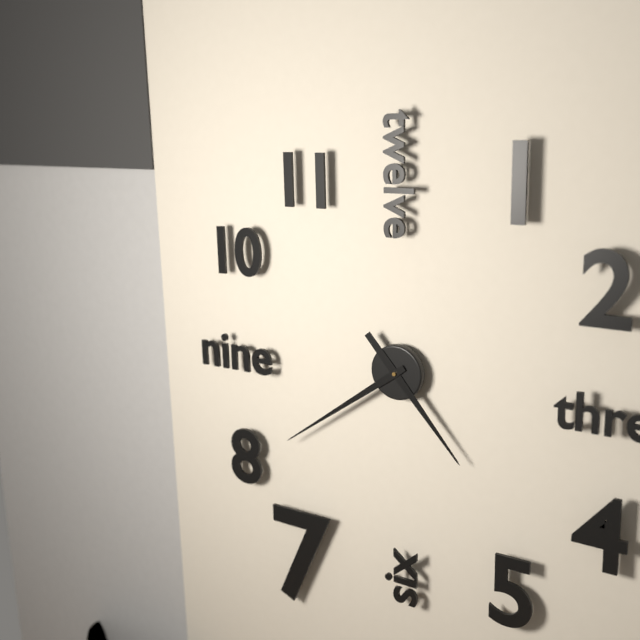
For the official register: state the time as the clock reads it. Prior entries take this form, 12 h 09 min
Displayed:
4 h 39 min
